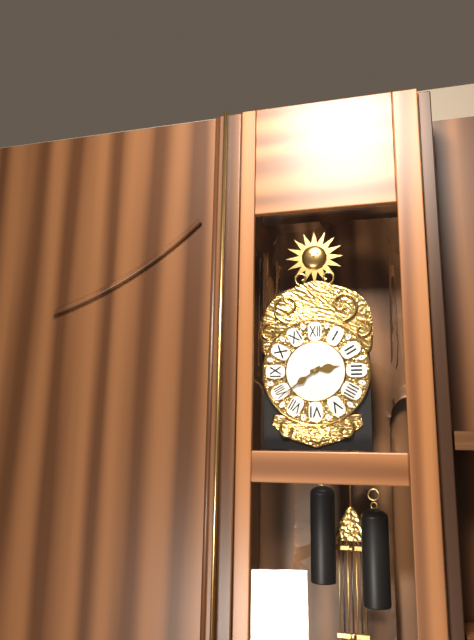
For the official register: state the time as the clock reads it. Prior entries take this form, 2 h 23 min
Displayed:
2 h 39 min
